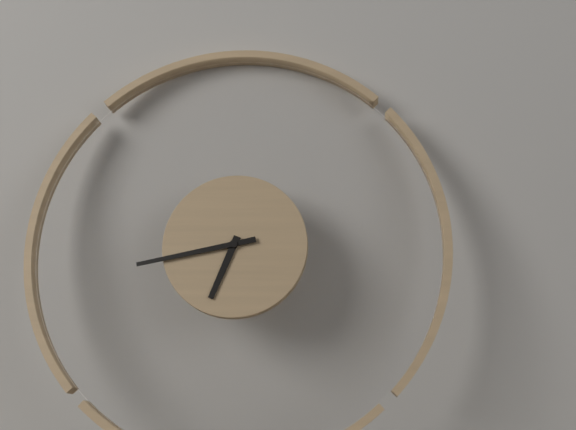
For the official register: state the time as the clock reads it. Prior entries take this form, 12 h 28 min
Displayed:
6 h 43 min
